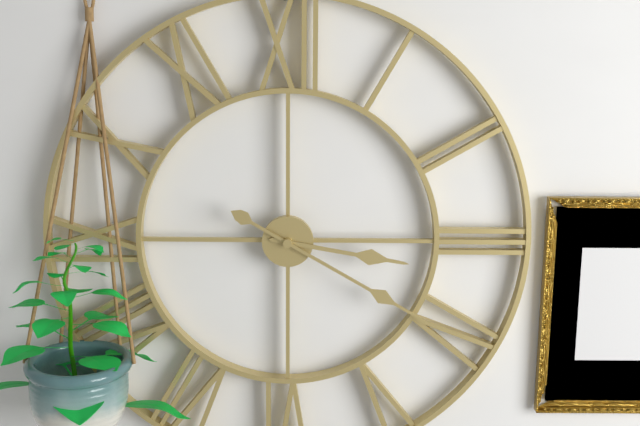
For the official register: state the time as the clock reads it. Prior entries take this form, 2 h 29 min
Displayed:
3 h 20 min
